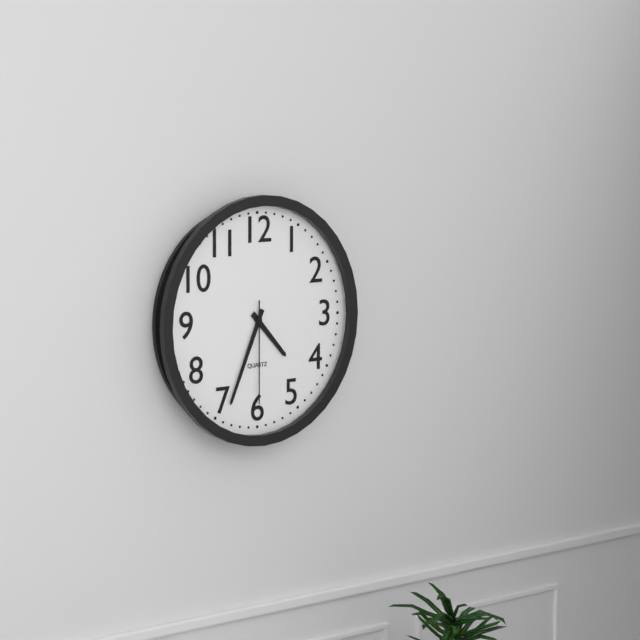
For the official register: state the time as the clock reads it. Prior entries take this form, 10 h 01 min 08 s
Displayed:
4 h 34 min 30 s
